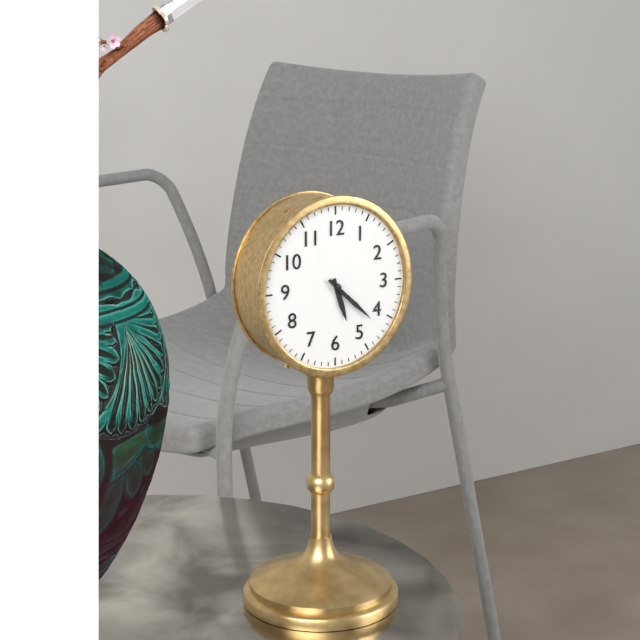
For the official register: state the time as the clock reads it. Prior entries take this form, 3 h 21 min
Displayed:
5 h 22 min
